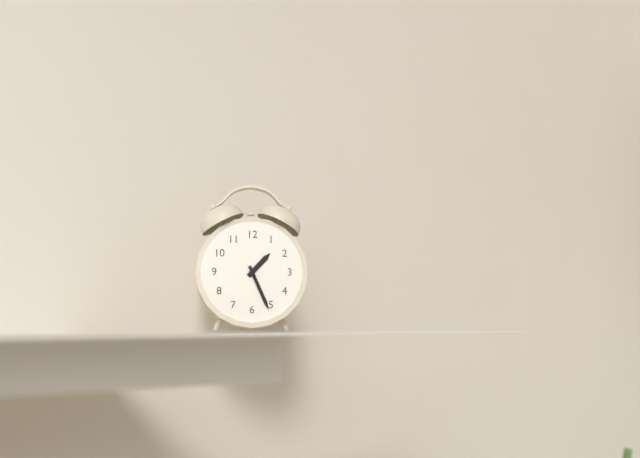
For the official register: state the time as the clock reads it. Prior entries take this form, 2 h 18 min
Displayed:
1 h 26 min
